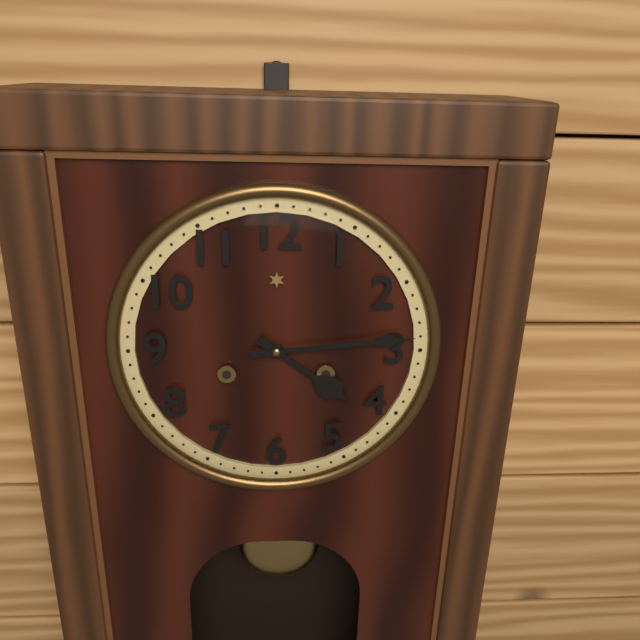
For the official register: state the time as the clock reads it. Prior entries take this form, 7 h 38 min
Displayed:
4 h 14 min
